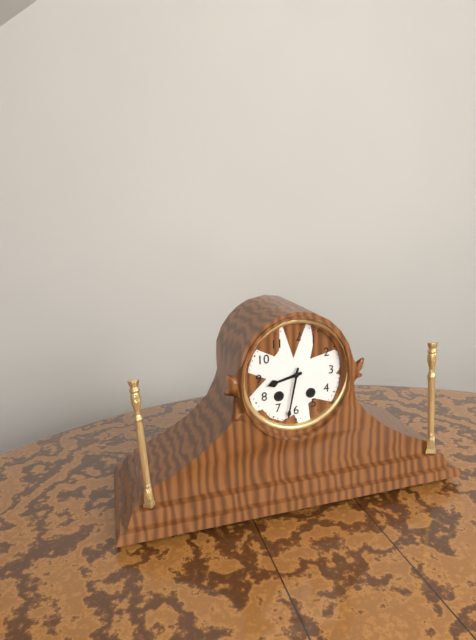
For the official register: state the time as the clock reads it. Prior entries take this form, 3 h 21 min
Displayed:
8 h 32 min
